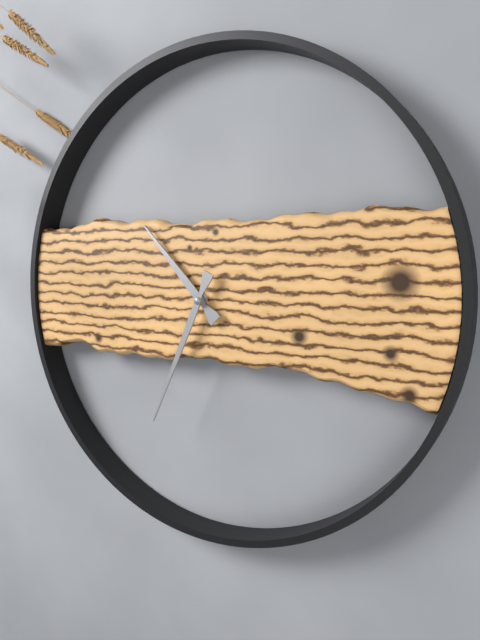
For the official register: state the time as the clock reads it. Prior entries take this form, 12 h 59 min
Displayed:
10 h 34 min
